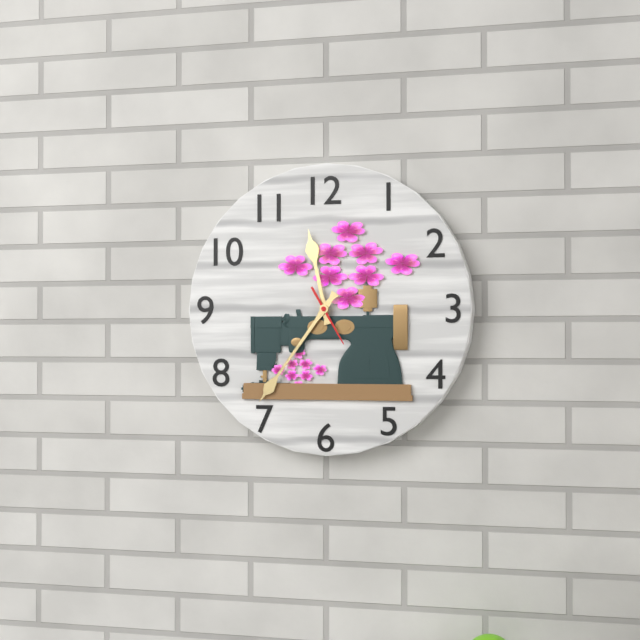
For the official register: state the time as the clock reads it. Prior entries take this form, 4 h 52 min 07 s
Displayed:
11 h 36 min 25 s
